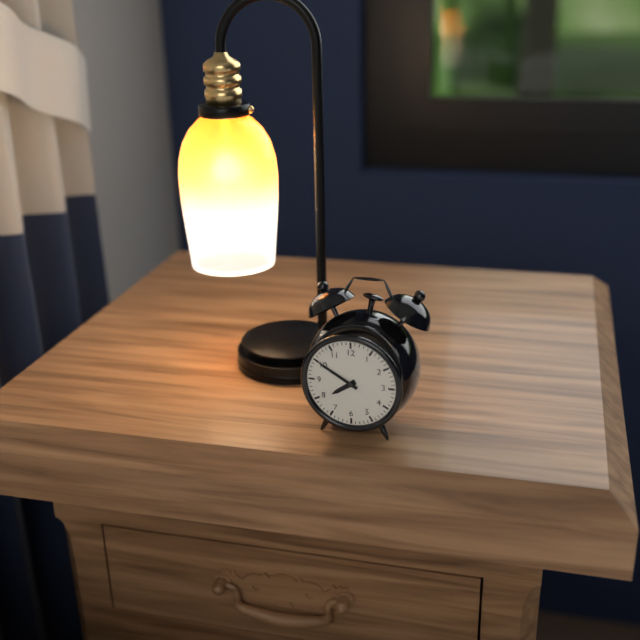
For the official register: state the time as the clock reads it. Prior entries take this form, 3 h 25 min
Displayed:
7 h 50 min
